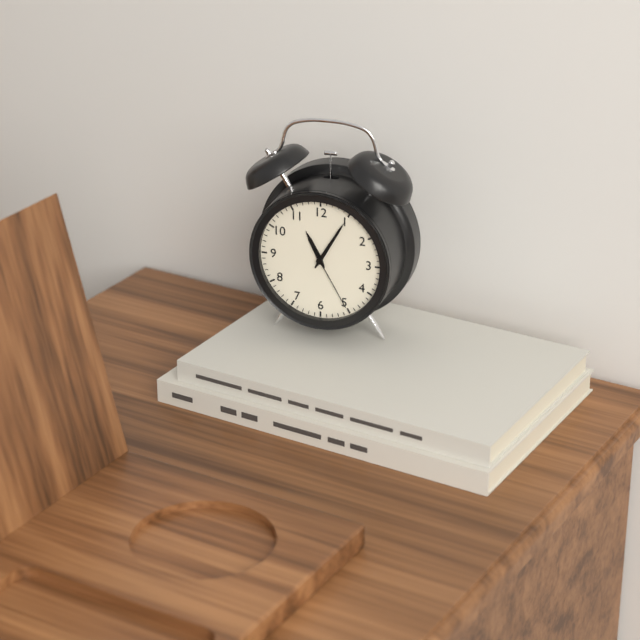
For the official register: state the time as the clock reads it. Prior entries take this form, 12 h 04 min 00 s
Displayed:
11 h 05 min 25 s
